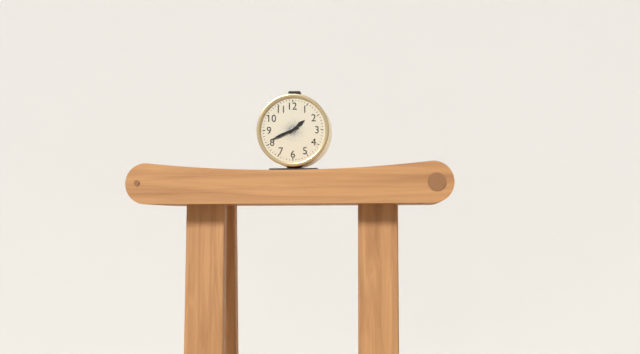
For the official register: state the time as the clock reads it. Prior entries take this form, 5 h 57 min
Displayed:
1 h 41 min
